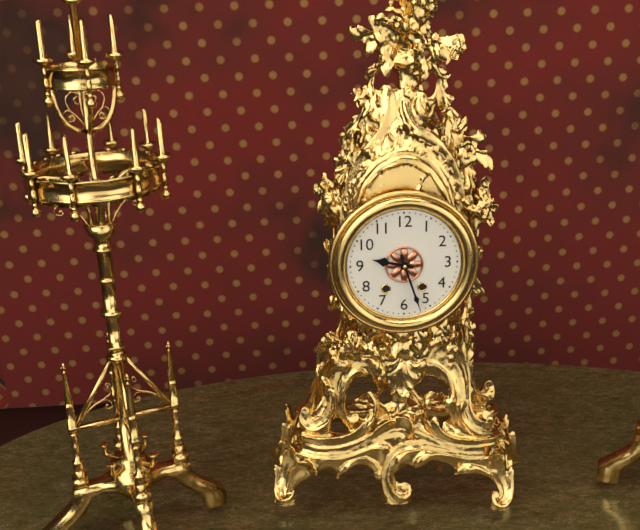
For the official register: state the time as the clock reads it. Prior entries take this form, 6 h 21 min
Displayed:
9 h 27 min
